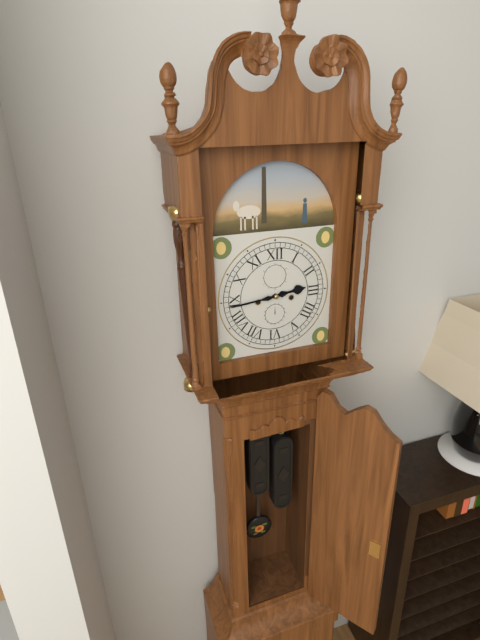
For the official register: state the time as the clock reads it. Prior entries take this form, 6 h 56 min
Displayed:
2 h 44 min
